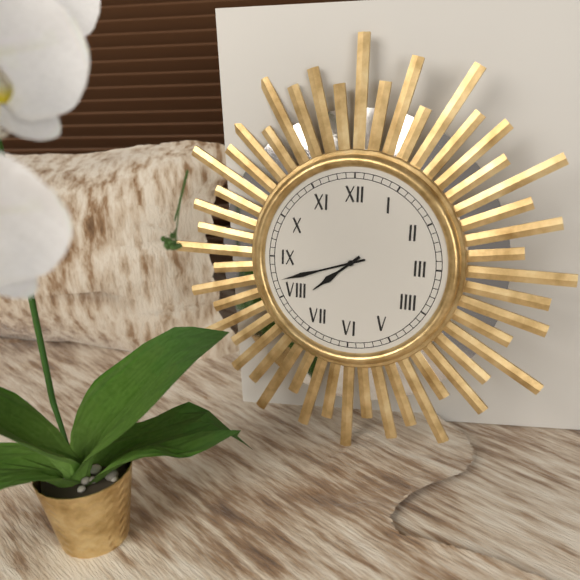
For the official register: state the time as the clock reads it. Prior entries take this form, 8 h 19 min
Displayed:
7 h 42 min
